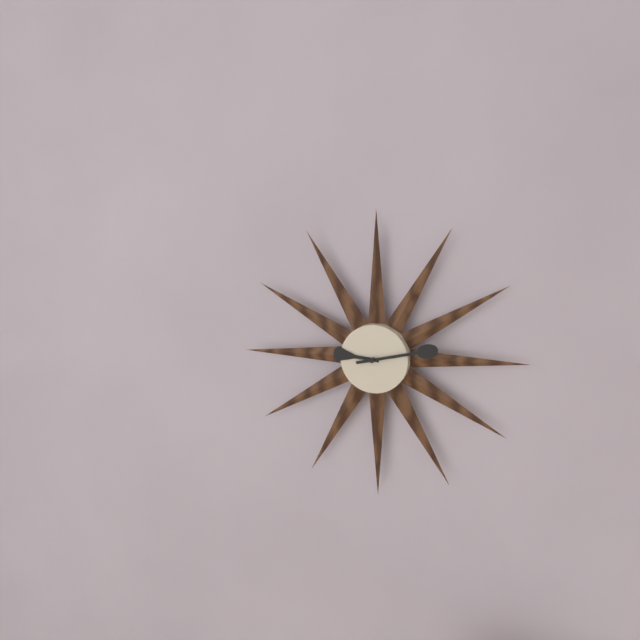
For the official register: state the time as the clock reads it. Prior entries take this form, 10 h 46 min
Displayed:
9 h 13 min
